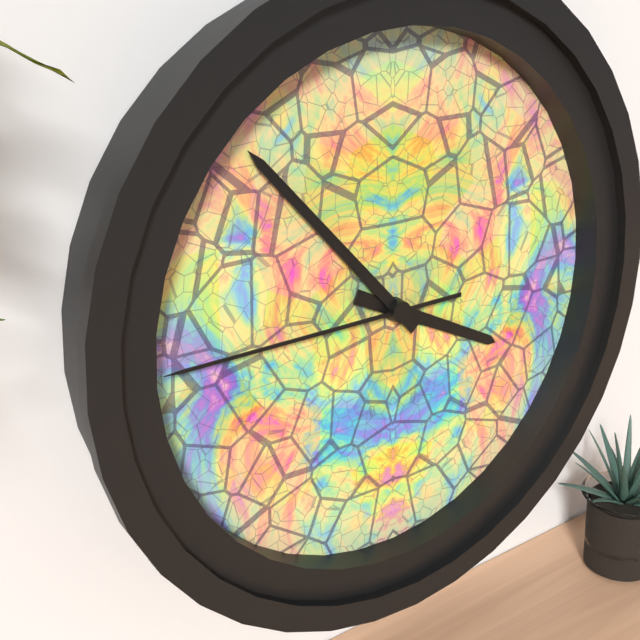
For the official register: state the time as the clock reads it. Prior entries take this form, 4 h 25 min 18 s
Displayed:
3 h 53 min 45 s
